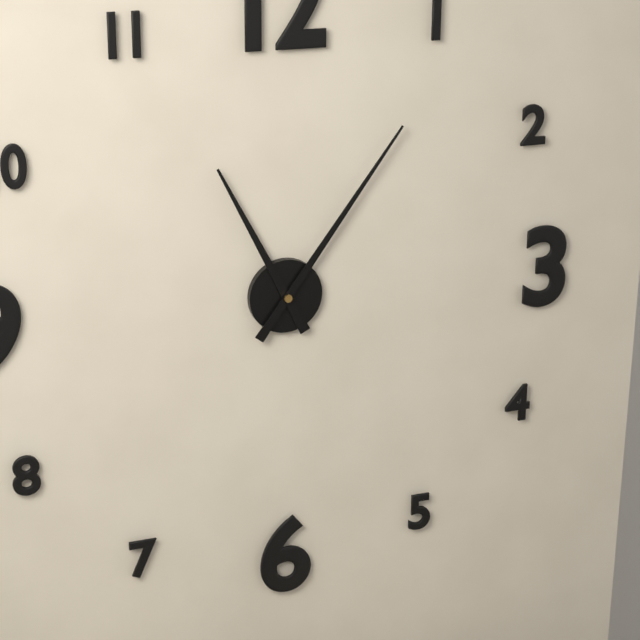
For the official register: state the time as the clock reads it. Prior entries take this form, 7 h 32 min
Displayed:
11 h 06 min
